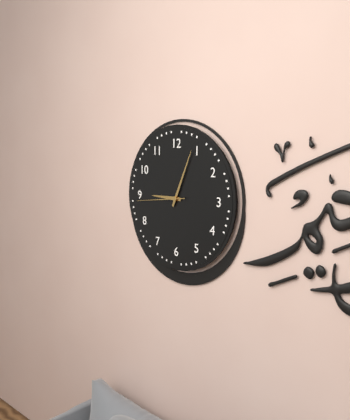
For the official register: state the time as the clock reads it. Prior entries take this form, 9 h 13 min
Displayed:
9 h 04 min
